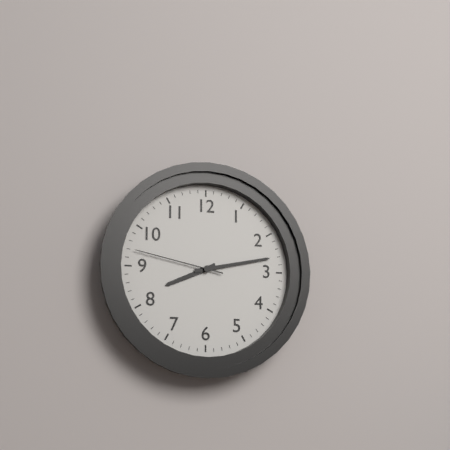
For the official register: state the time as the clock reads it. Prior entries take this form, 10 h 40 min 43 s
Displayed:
8 h 13 min 47 s
